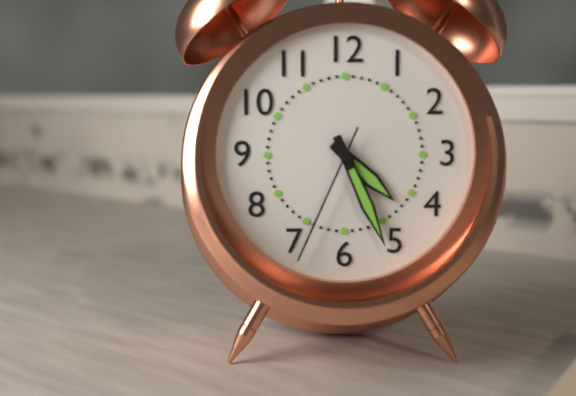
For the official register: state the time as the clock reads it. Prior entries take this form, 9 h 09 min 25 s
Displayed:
4 h 26 min 34 s
